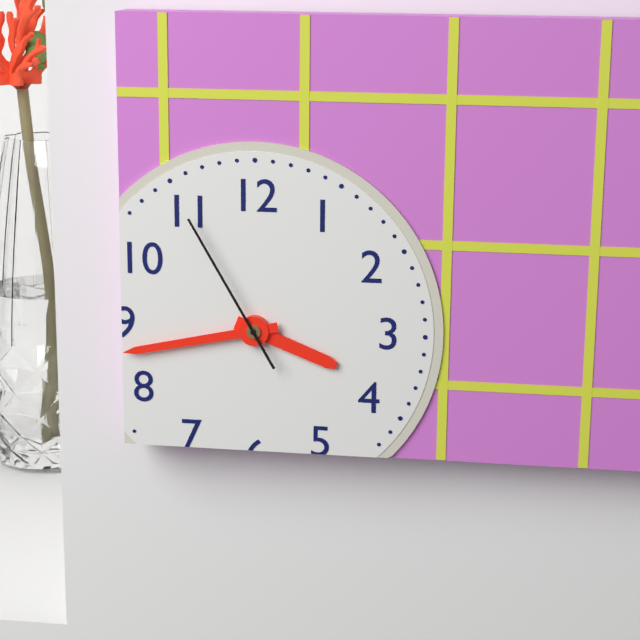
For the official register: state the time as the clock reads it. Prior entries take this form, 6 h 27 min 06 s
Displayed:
3 h 43 min 55 s
